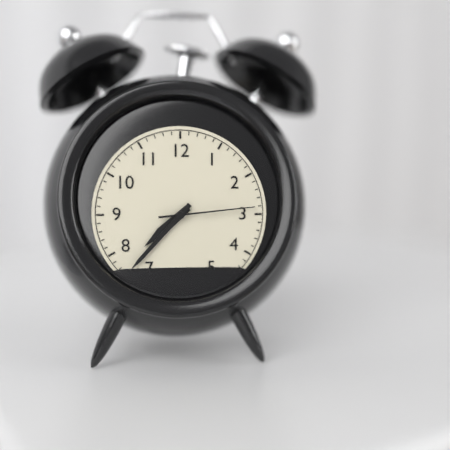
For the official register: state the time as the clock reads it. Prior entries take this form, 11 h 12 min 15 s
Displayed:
7 h 37 min 14 s
